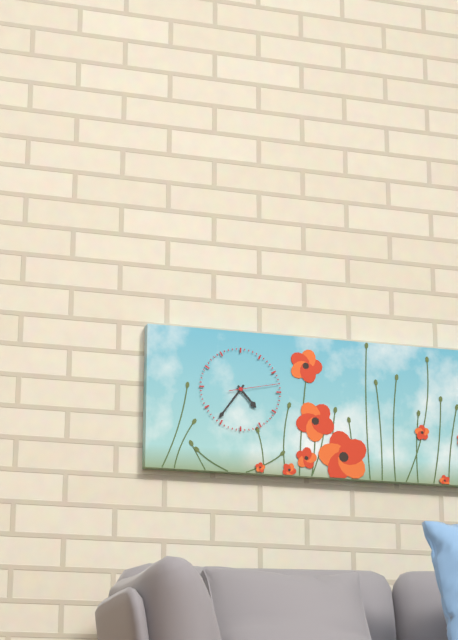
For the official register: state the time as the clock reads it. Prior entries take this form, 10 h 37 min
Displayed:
4 h 36 min
